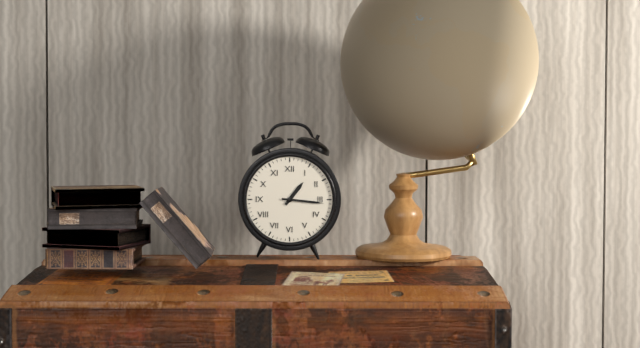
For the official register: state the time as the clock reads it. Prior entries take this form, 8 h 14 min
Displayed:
1 h 16 min
